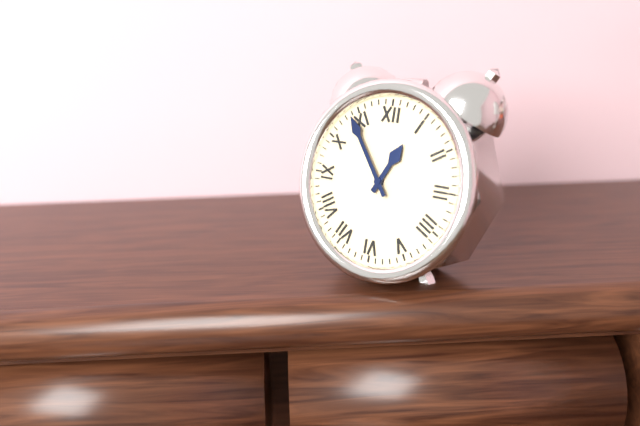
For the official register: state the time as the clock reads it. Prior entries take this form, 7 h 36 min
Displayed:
12 h 54 min
